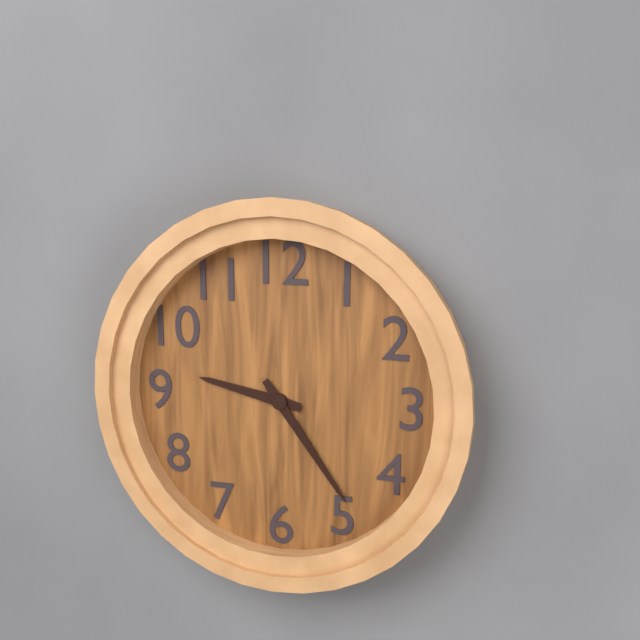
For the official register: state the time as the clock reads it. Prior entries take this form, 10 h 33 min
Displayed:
9 h 24 min
